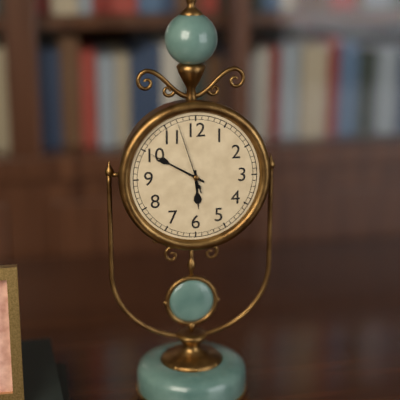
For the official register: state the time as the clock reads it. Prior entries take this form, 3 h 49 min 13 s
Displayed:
5 h 50 min 57 s
